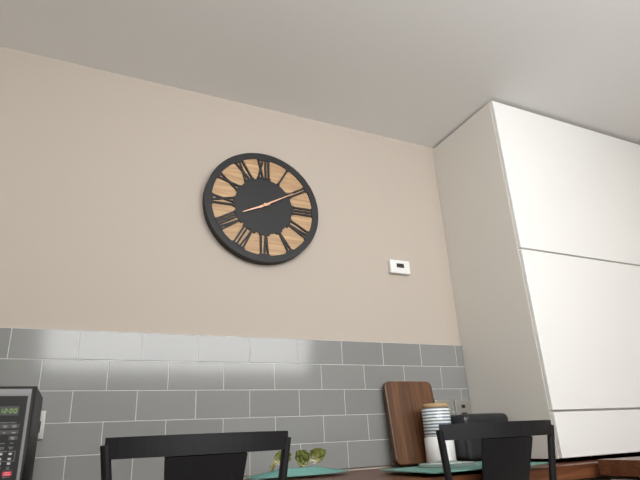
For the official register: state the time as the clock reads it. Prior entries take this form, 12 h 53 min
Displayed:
8 h 10 min
